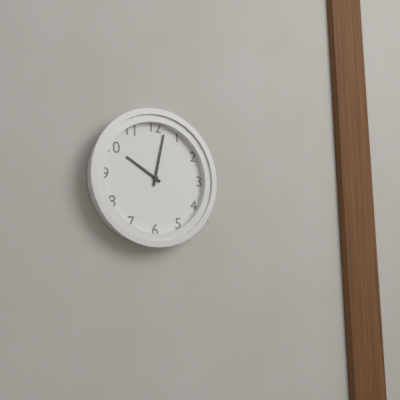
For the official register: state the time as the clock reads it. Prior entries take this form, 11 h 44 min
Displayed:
10 h 02 min
